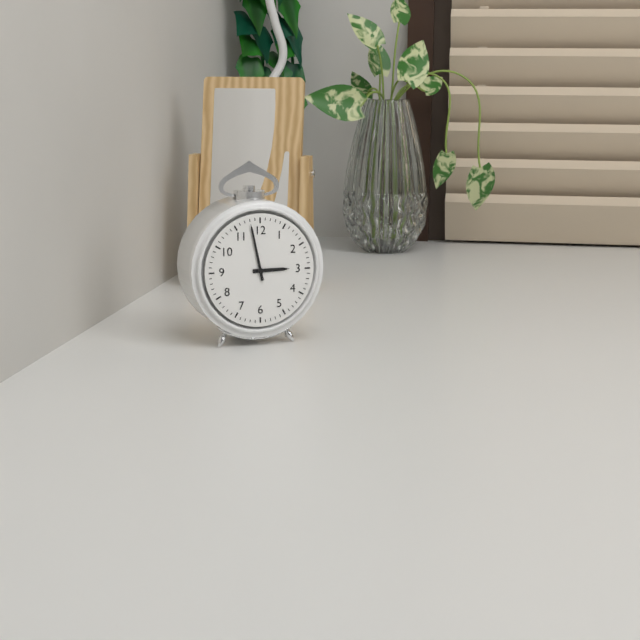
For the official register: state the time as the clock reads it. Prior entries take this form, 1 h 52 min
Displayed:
2 h 58 min
